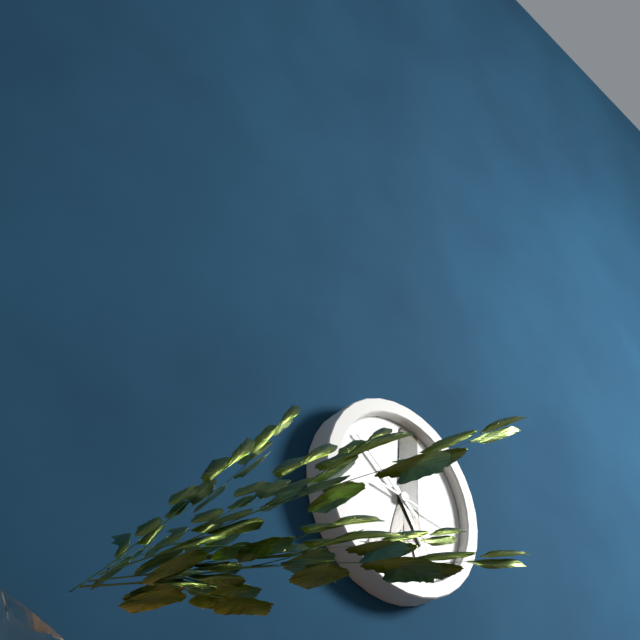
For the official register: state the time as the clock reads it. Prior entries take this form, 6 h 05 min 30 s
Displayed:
4 h 51 min 16 s
